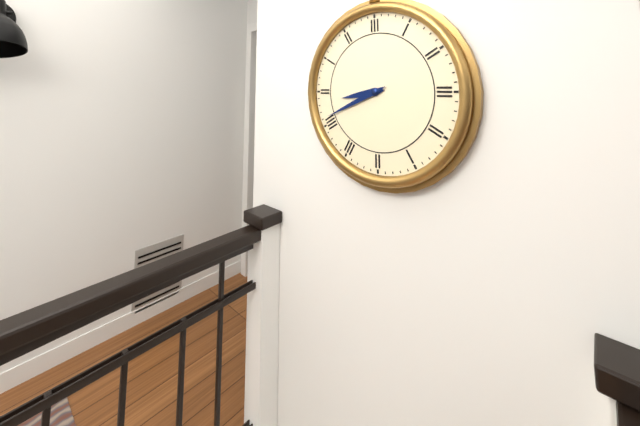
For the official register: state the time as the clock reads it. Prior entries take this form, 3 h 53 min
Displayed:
8 h 41 min
